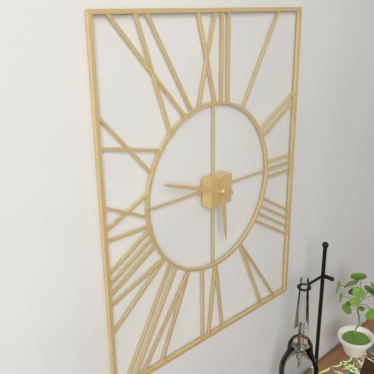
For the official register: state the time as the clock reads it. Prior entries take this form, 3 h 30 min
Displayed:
5 h 48 min
